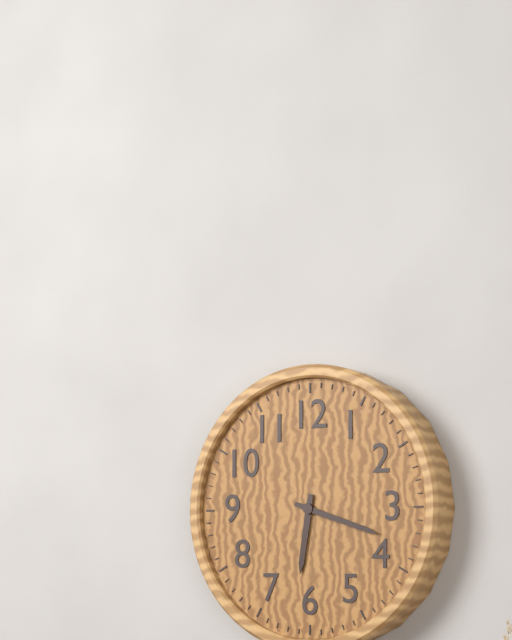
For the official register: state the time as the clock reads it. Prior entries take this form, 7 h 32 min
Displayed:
6 h 18 min
